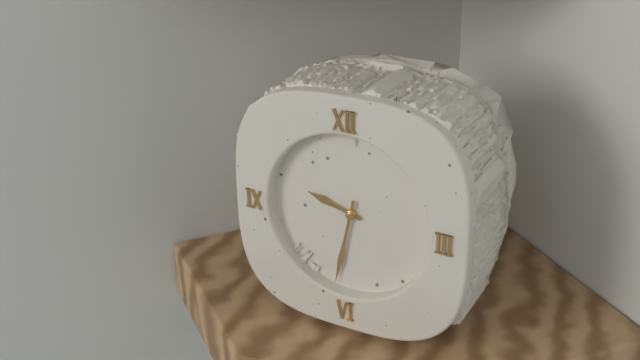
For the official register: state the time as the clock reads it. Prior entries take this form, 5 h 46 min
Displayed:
9 h 32 min
